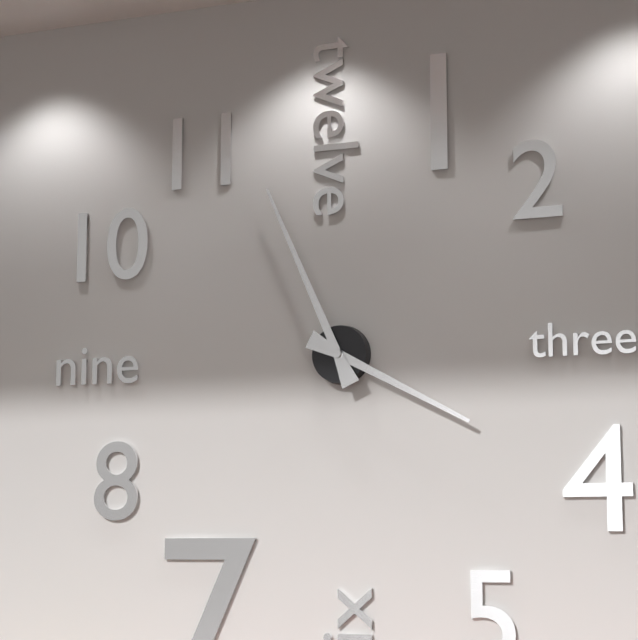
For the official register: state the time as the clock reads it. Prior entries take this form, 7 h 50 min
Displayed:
3 h 56 min
